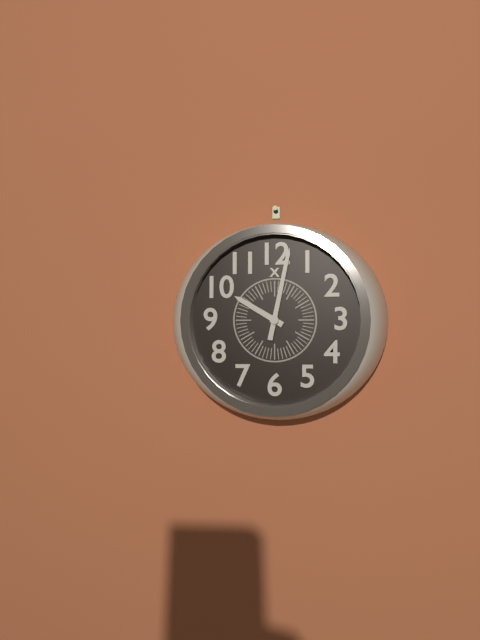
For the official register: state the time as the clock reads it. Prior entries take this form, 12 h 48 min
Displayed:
10 h 02 min
